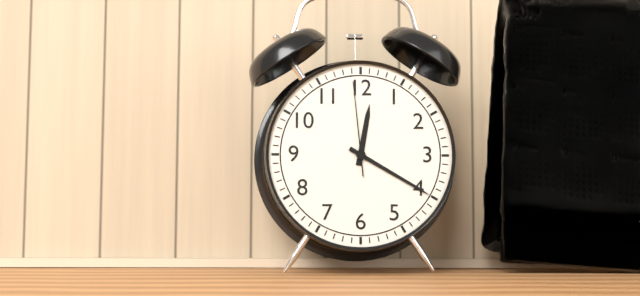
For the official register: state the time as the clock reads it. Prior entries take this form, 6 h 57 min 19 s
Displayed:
12 h 20 min 59 s
